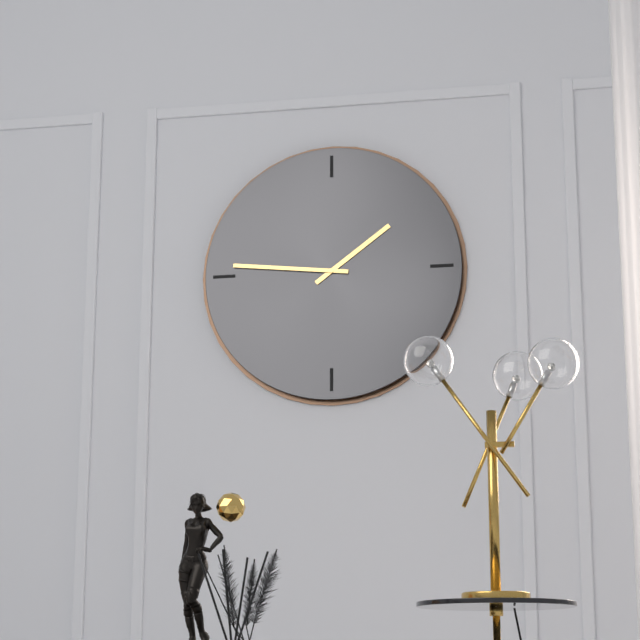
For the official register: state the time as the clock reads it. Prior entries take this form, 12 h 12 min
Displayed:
1 h 46 min
